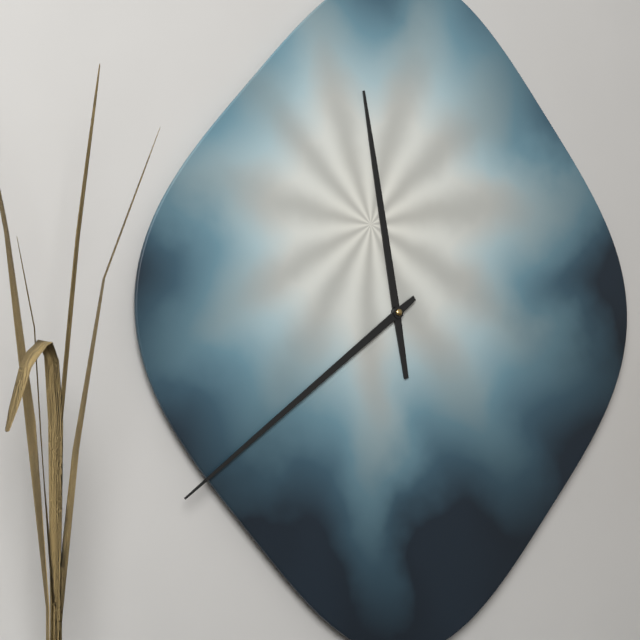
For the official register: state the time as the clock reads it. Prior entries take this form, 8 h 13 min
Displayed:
11 h 39 min
